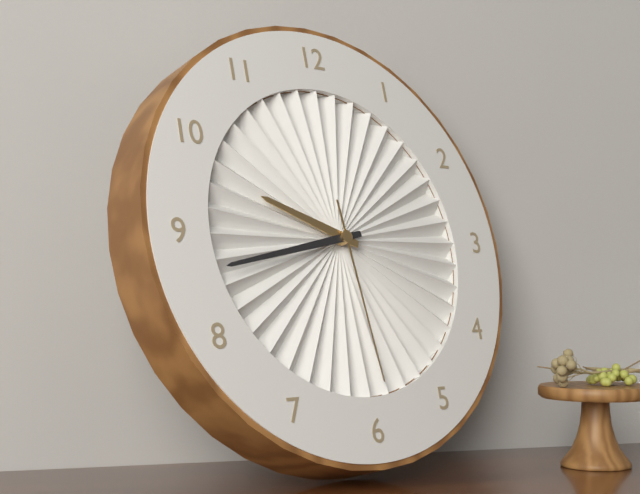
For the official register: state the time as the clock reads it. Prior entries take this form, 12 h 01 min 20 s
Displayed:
9 h 43 min 29 s
